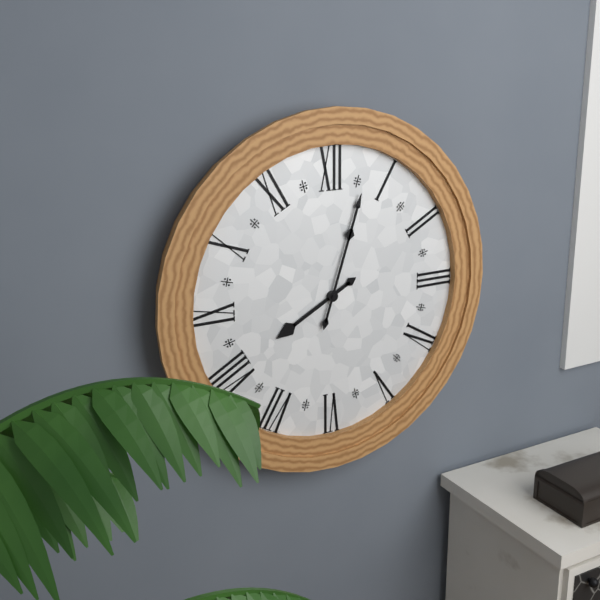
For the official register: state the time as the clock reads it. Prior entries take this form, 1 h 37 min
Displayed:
8 h 03 min
